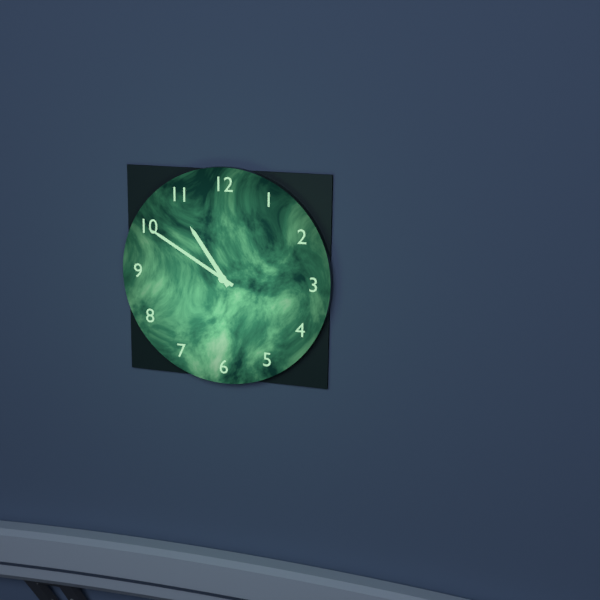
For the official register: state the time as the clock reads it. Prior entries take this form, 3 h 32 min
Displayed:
10 h 50 min
